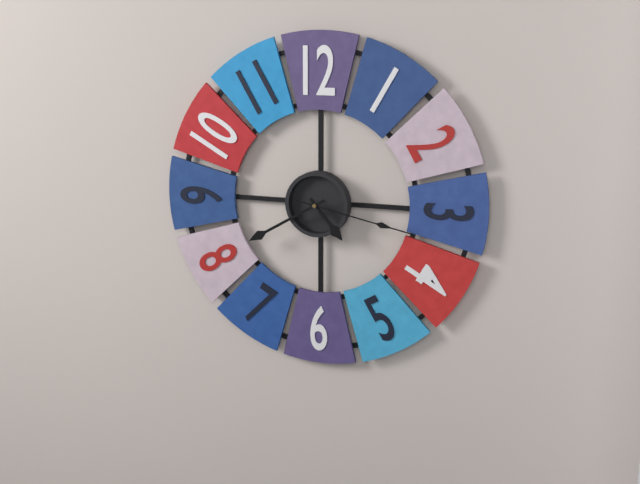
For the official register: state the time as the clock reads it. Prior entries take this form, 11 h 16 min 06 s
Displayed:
4 h 40 min 17 s
